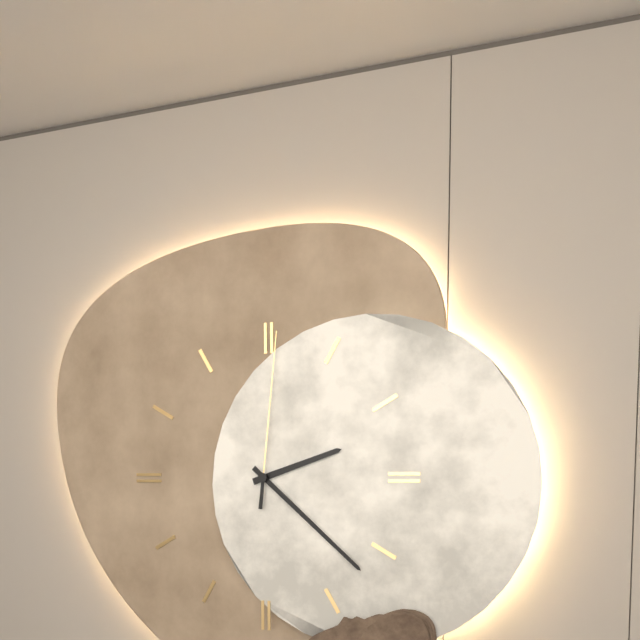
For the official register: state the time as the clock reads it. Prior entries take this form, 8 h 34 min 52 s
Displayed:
2 h 22 min 01 s
